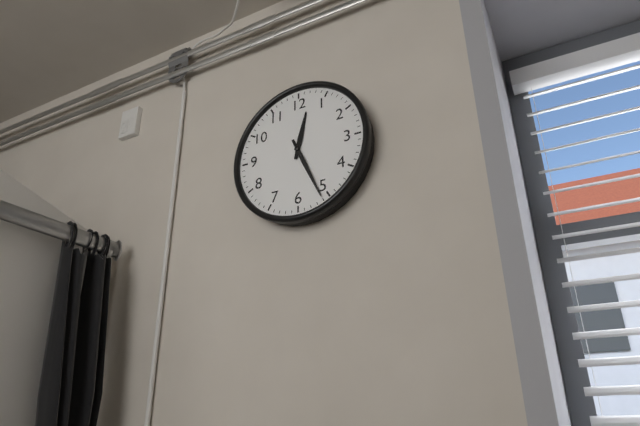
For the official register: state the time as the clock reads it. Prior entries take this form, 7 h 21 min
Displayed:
12 h 26 min
